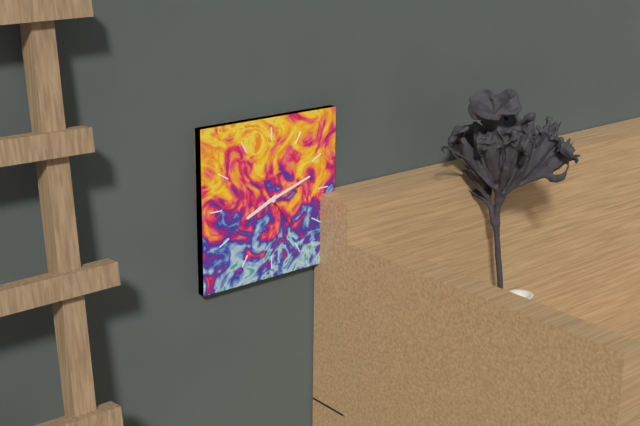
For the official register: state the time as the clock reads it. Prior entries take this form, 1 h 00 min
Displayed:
8 h 12 min
